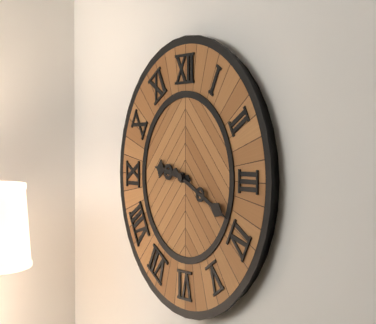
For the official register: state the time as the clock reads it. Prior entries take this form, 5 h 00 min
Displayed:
9 h 19 min
